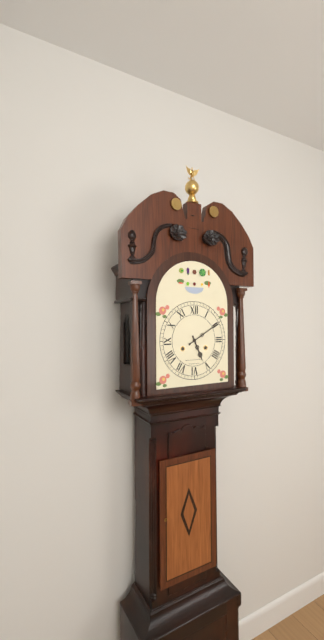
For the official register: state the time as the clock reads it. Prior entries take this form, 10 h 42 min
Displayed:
5 h 10 min
